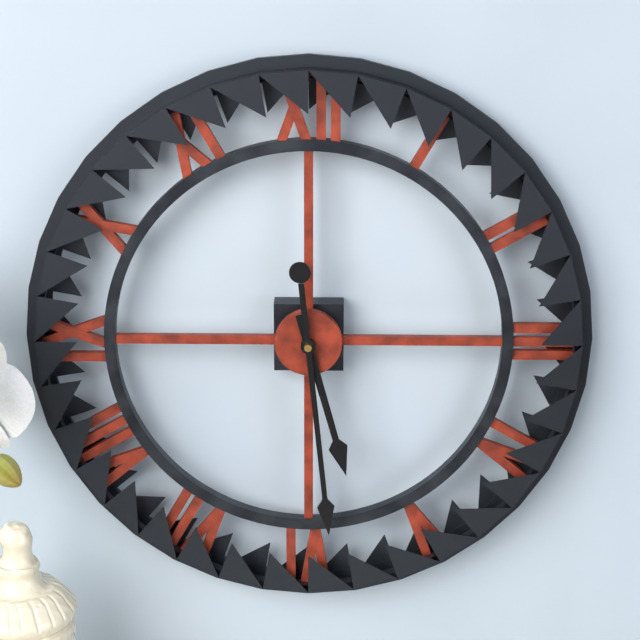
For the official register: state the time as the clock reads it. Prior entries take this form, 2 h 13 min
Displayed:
5 h 29 min
